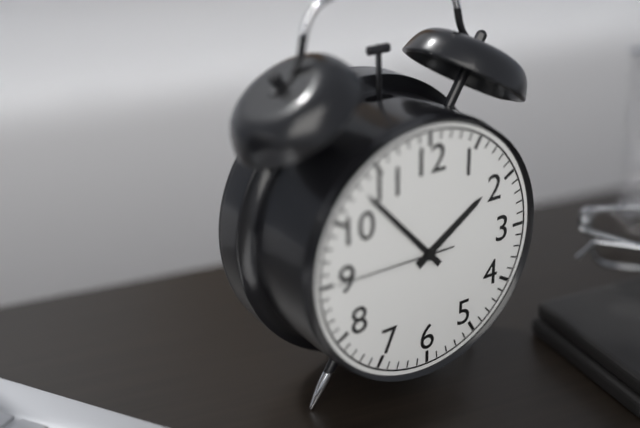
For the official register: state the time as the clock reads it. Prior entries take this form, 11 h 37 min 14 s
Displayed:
1 h 53 min 45 s
